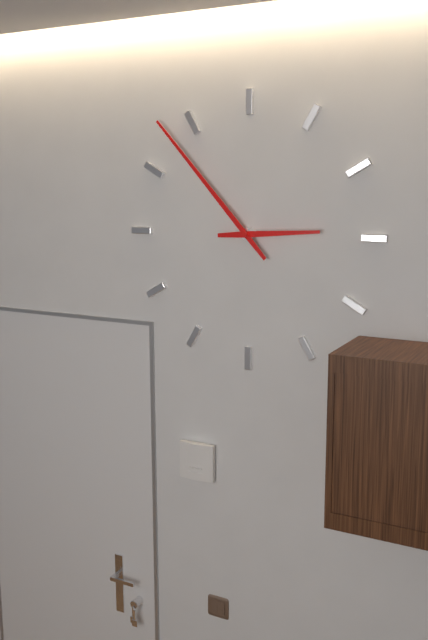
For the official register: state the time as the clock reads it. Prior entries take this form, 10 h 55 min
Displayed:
2 h 53 min
